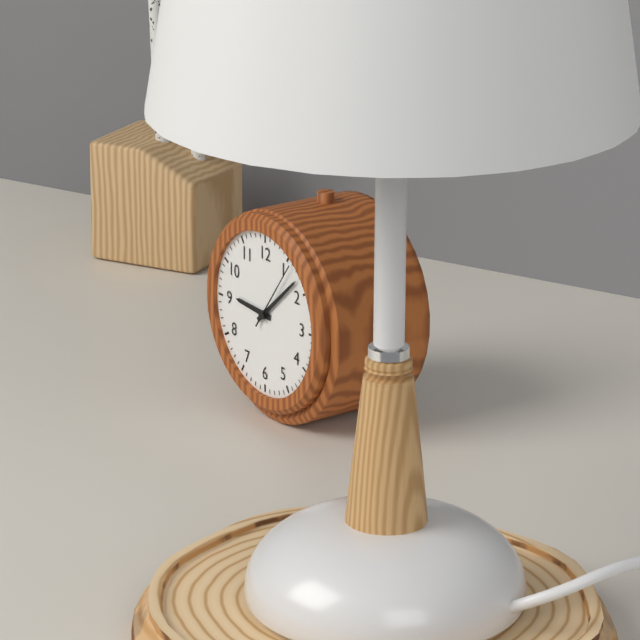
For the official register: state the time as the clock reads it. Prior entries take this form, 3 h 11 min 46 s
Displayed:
9 h 08 min 06 s
